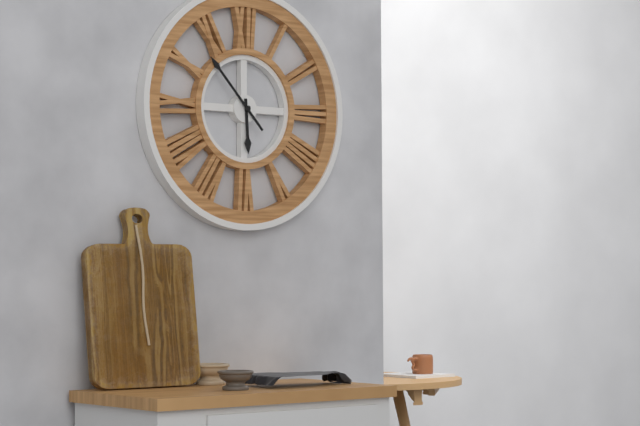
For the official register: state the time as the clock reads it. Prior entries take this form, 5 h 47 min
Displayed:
5 h 53 min
